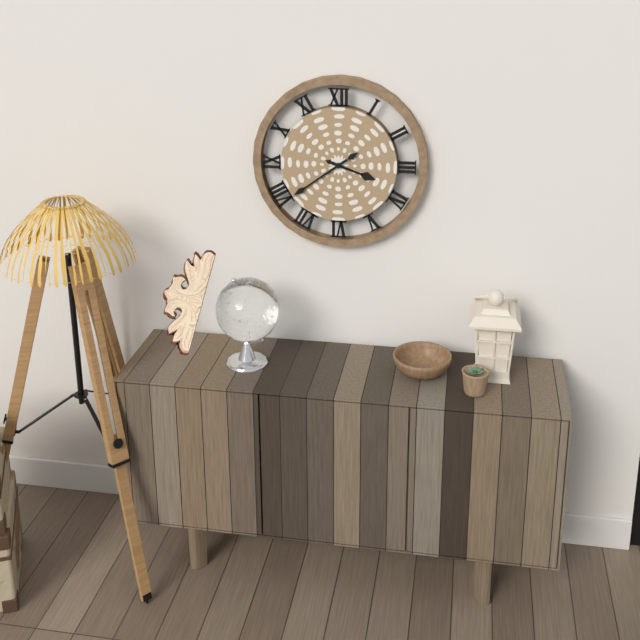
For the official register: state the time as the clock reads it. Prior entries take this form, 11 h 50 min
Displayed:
3 h 39 min
